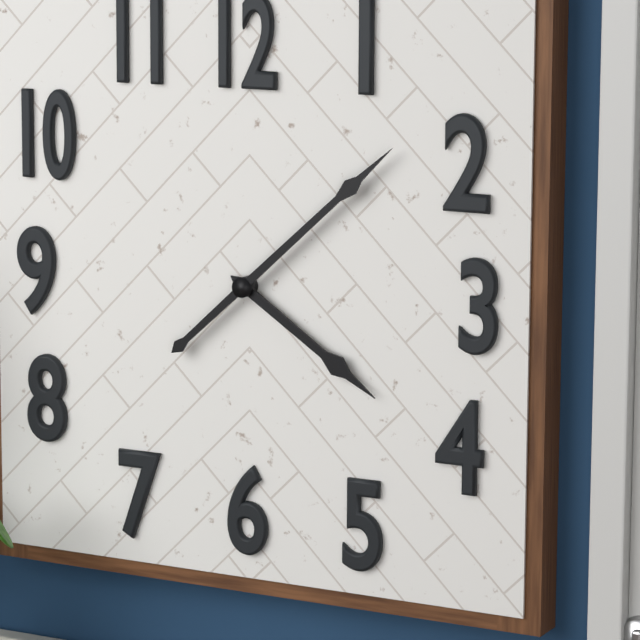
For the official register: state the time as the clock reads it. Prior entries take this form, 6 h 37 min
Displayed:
4 h 08 min
